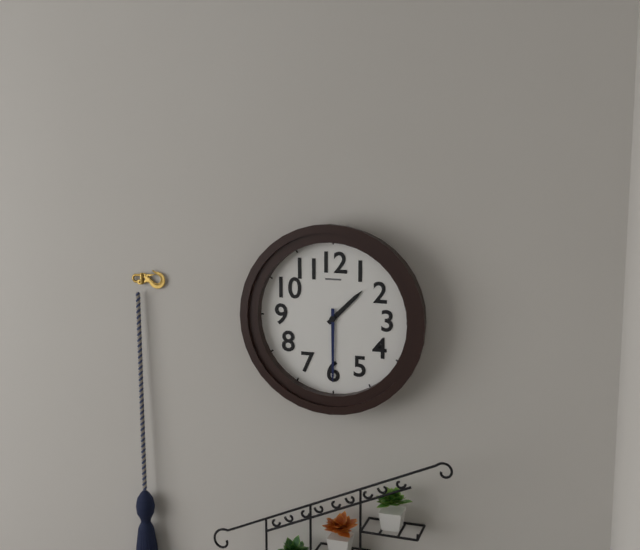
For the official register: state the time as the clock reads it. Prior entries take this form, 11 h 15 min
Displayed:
1 h 30 min
